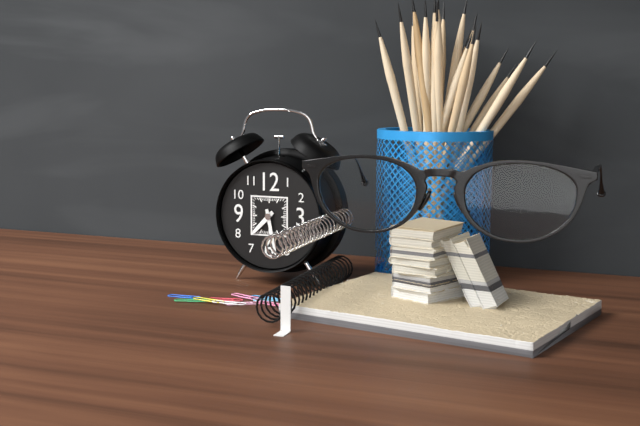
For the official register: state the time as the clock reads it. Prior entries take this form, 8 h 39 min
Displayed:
7 h 28 min
